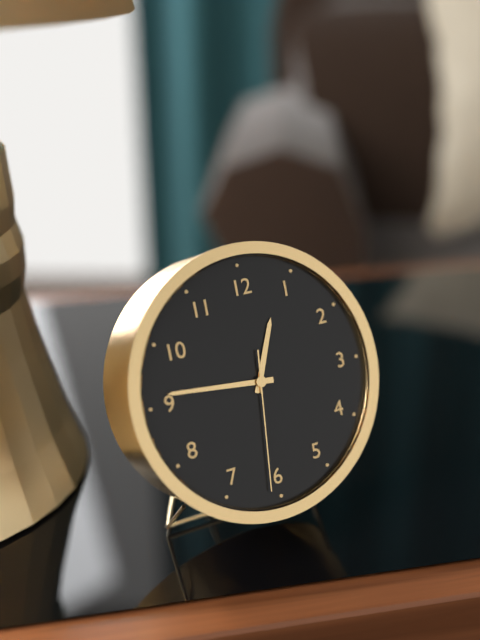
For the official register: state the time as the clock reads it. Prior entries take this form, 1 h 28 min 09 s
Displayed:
12 h 46 min 31 s
